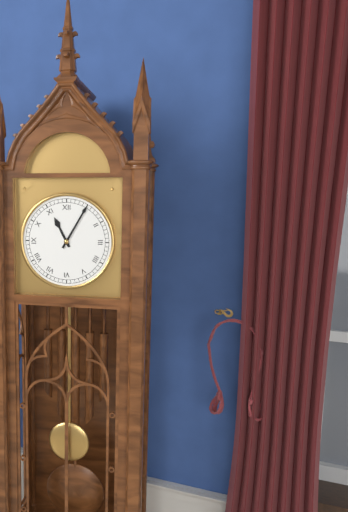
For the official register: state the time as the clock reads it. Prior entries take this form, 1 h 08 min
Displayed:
11 h 05 min
